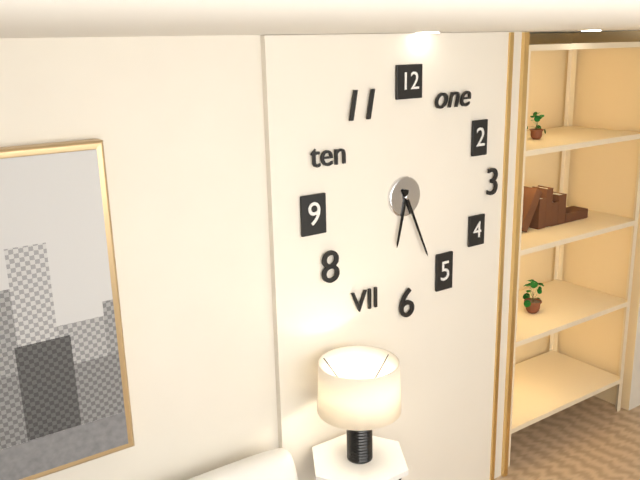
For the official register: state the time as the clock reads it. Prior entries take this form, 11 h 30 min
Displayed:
6 h 26 min
